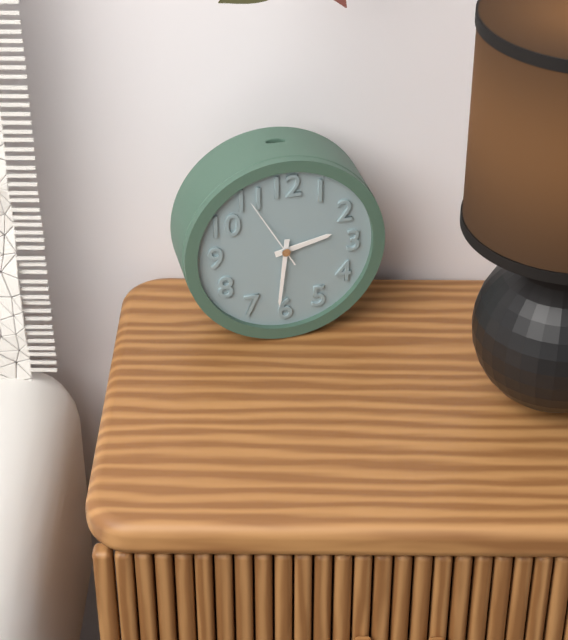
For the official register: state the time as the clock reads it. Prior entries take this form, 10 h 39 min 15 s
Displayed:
2 h 31 min 55 s
